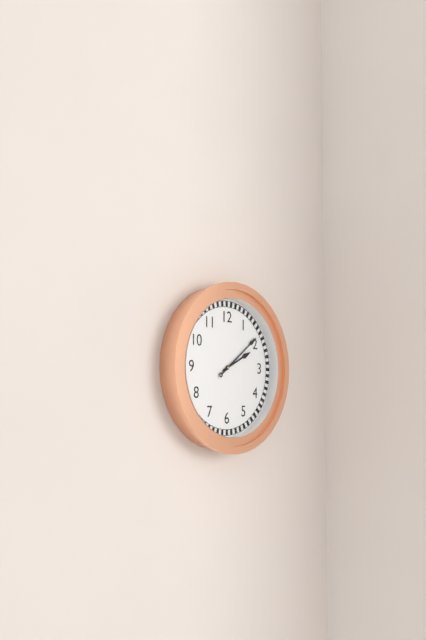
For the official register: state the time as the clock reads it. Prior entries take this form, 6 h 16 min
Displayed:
2 h 09 min
